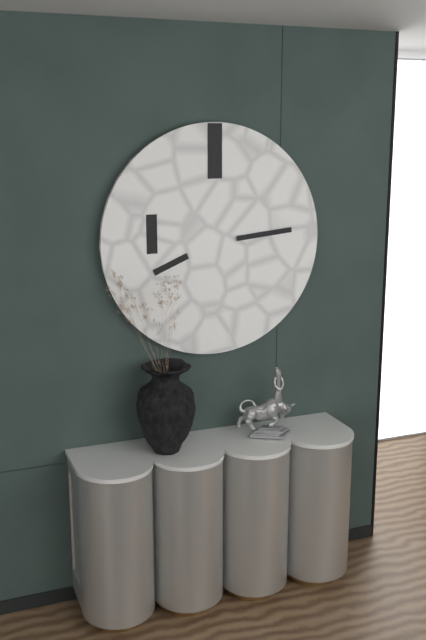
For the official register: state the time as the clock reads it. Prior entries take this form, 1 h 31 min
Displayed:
8 h 14 min
